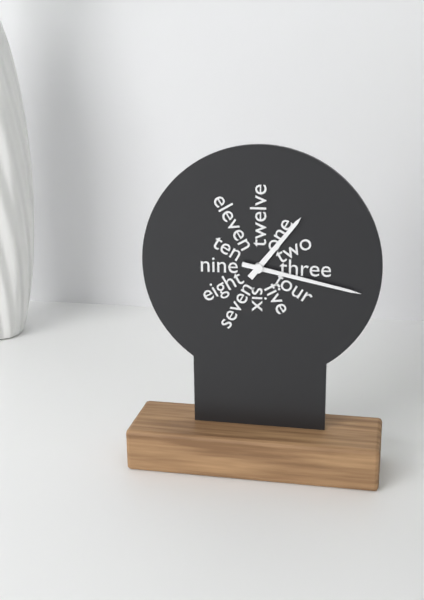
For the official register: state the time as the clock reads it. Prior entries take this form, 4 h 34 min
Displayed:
1 h 17 min
